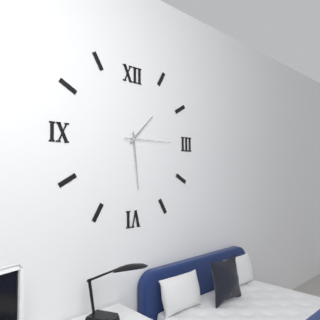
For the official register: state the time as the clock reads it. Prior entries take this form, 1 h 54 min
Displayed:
1 h 29 min
